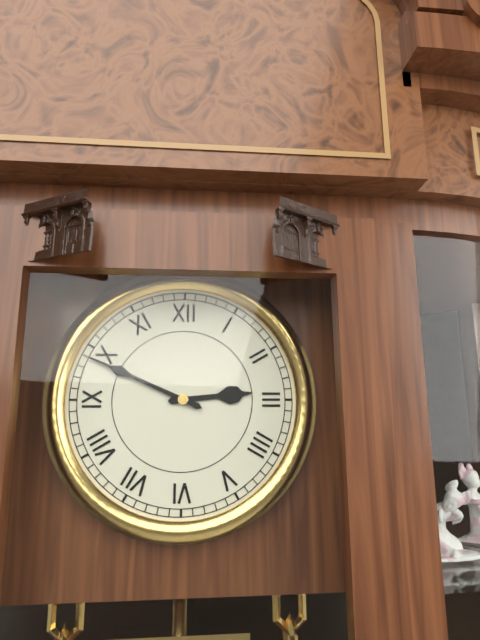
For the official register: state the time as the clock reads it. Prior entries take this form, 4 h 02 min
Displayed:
2 h 49 min
